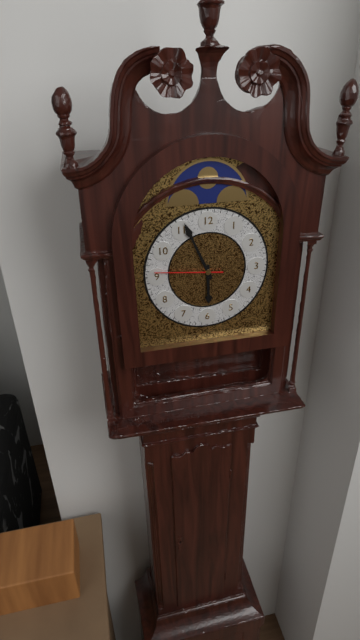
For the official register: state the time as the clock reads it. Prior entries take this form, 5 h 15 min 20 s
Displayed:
5 h 56 min 46 s
